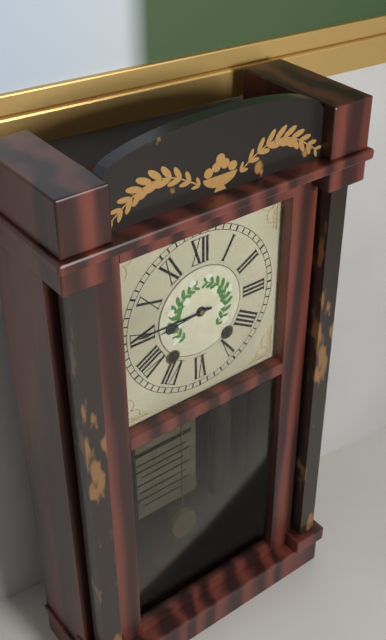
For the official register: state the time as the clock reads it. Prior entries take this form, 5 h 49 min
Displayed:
8 h 45 min
